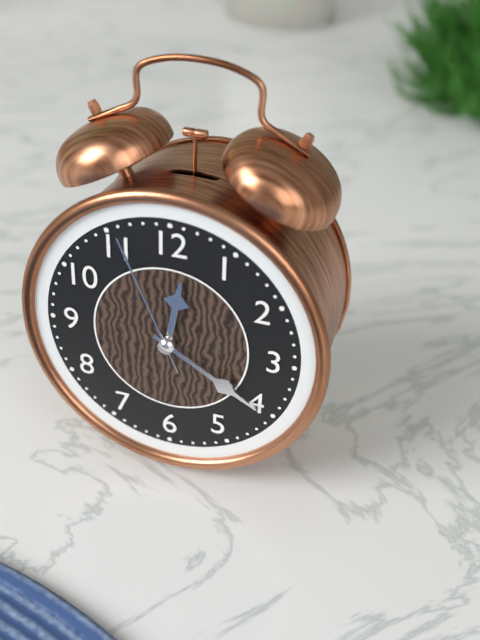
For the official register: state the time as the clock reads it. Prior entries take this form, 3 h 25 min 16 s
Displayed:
12 h 20 min 56 s
